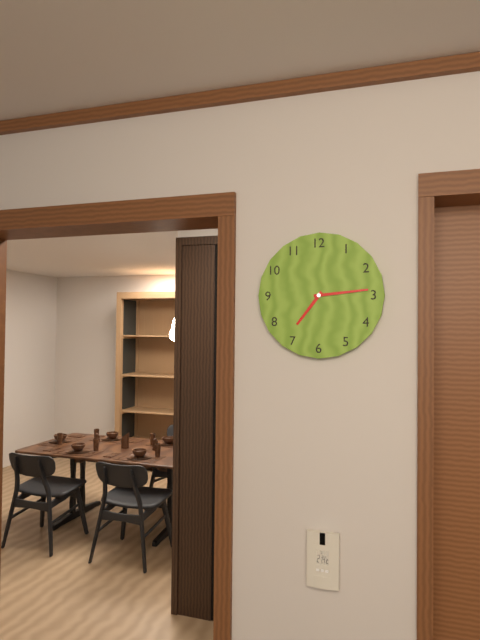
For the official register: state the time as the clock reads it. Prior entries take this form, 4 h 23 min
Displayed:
7 h 14 min
